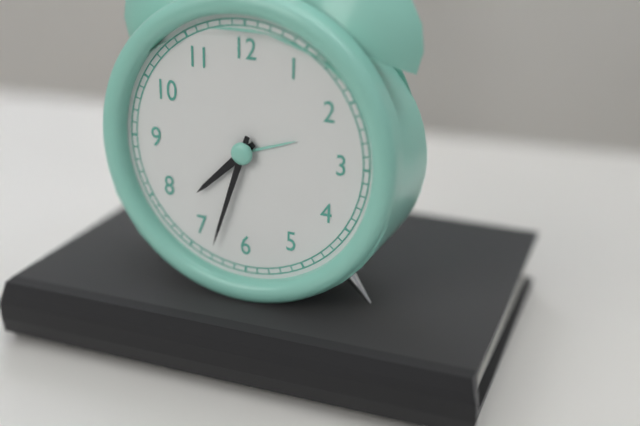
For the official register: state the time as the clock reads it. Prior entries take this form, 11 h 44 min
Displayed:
7 h 33 min
